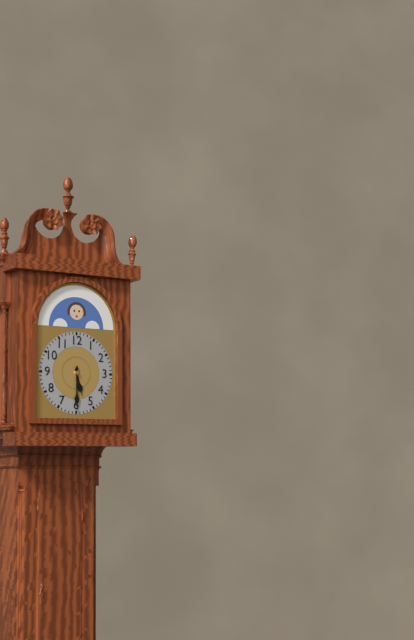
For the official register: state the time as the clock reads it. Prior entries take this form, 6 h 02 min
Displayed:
5 h 30 min
